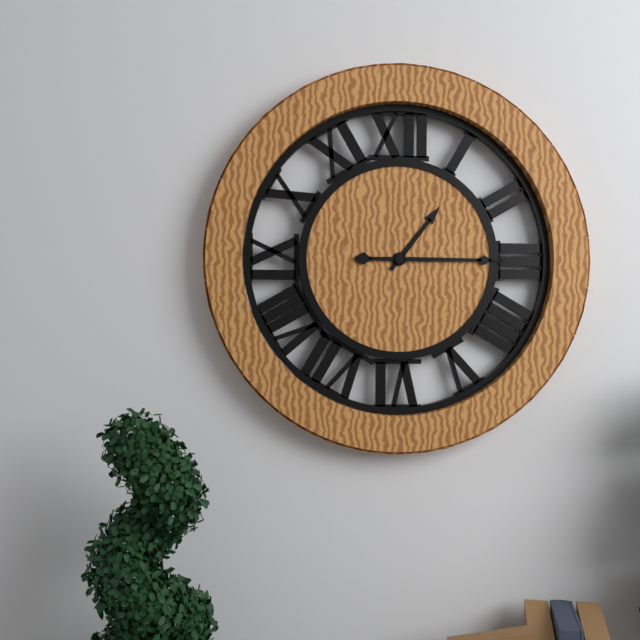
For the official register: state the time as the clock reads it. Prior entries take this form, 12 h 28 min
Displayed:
1 h 15 min
